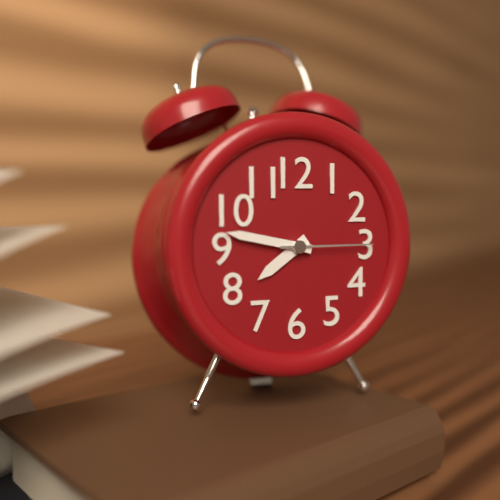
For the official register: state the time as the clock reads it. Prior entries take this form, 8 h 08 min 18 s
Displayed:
7 h 47 min 15 s
